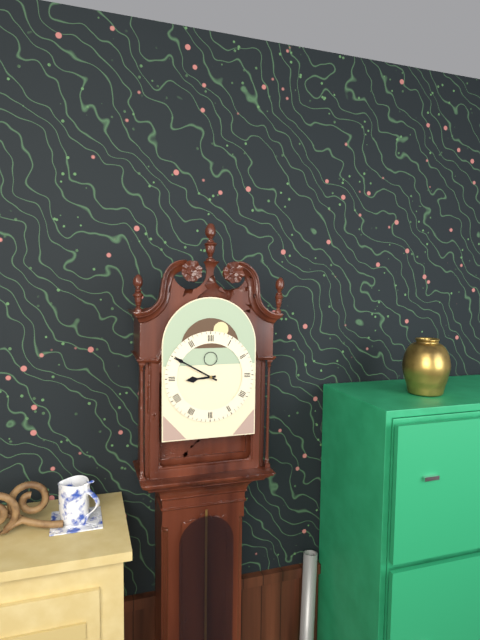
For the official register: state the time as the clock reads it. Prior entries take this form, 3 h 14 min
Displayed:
8 h 50 min
